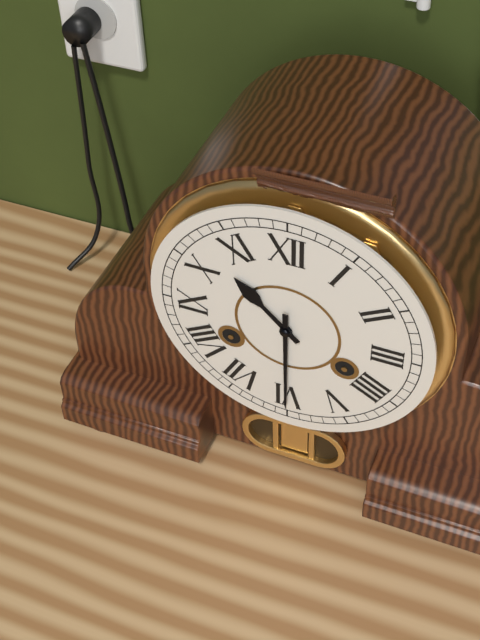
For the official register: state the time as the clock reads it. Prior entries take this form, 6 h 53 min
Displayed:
10 h 30 min
